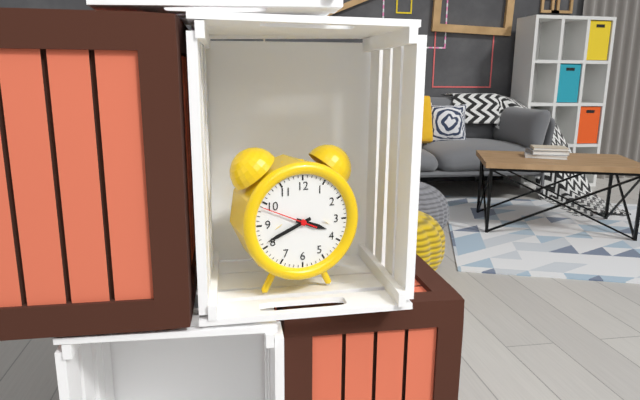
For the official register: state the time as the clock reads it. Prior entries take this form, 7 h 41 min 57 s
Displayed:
3 h 41 min 49 s
